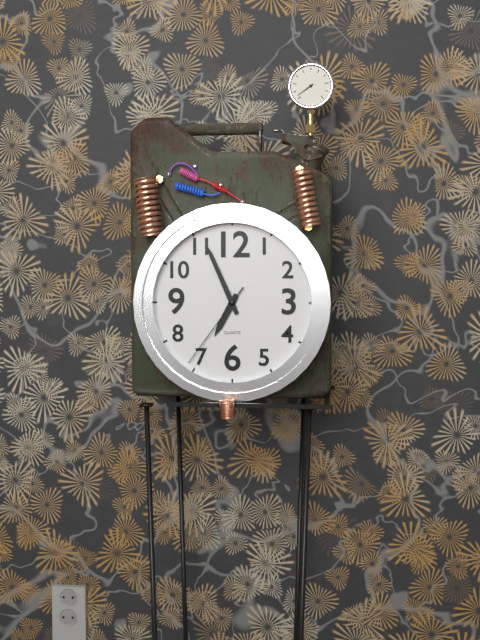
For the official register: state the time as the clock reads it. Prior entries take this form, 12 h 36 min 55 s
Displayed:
6 h 56 min 36 s
